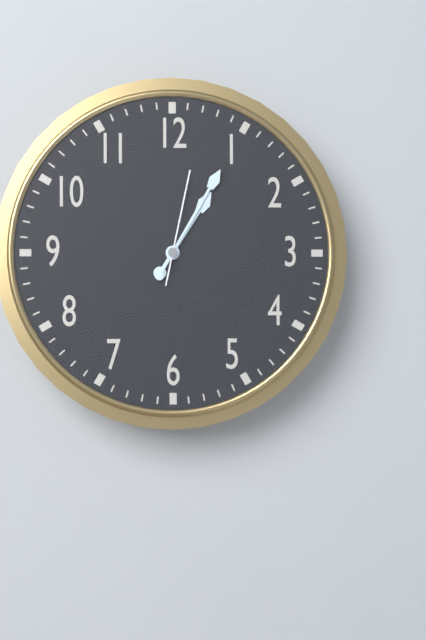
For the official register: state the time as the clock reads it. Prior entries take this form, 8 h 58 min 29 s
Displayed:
1 h 05 min 02 s
